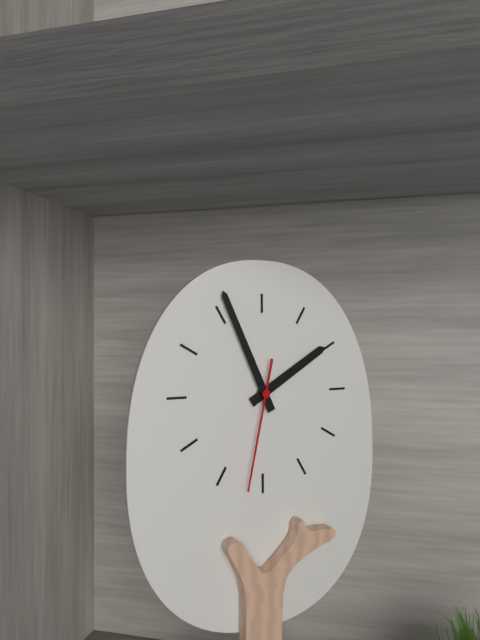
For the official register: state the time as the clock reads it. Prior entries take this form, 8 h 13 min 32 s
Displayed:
1 h 56 min 32 s
